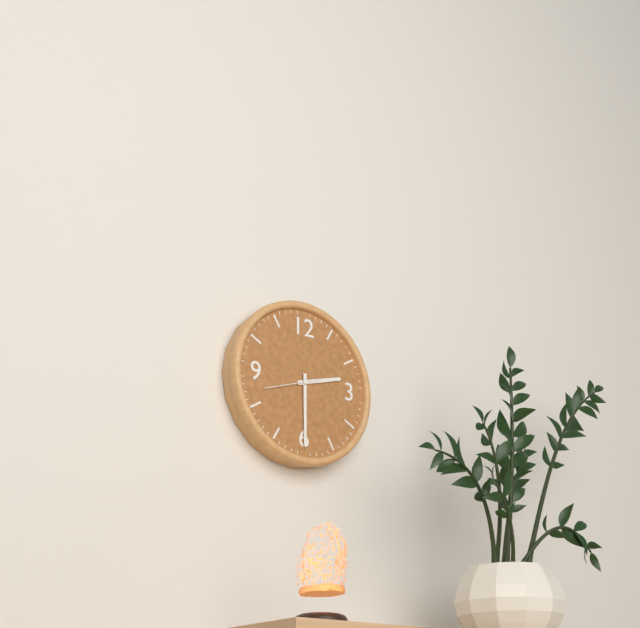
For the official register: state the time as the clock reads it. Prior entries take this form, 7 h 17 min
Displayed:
2 h 30 min
